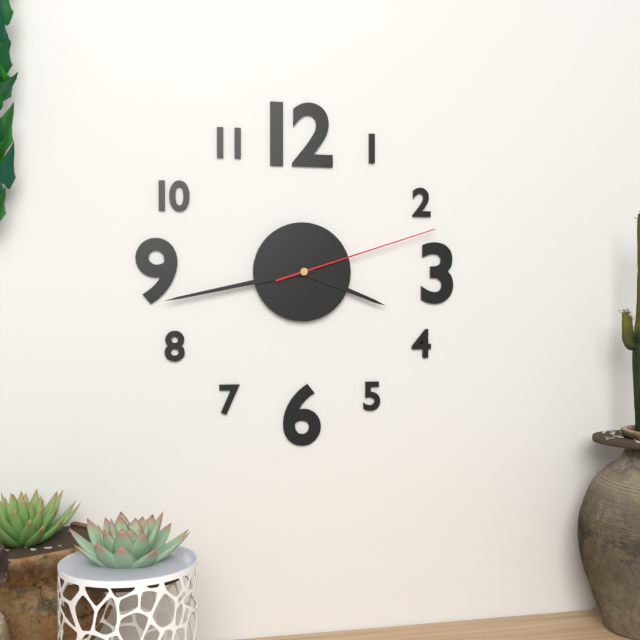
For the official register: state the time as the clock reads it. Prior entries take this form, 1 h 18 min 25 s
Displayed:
3 h 43 min 12 s
